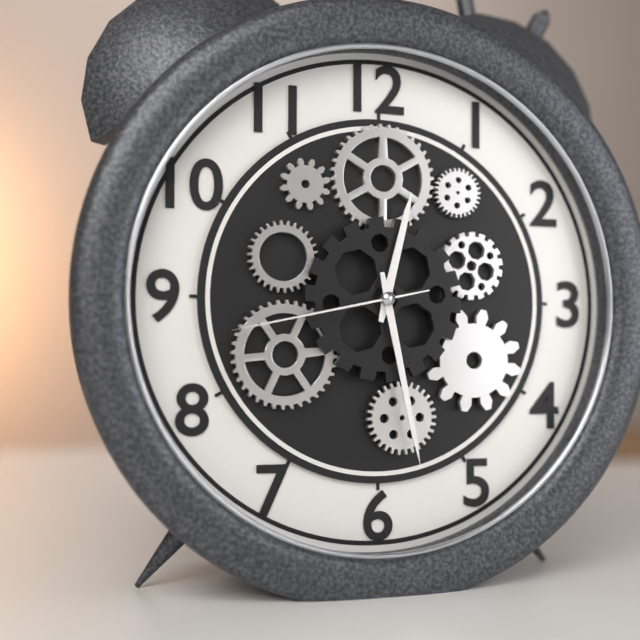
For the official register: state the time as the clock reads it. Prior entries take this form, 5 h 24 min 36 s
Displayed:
12 h 28 min 43 s
